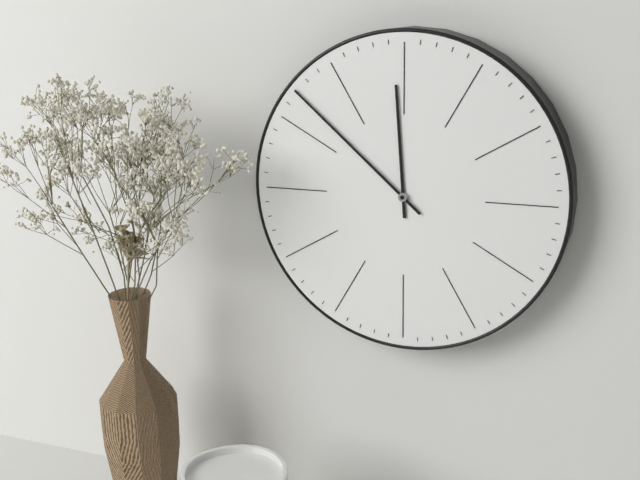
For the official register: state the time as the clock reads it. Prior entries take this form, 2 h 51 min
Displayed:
11 h 52 min
